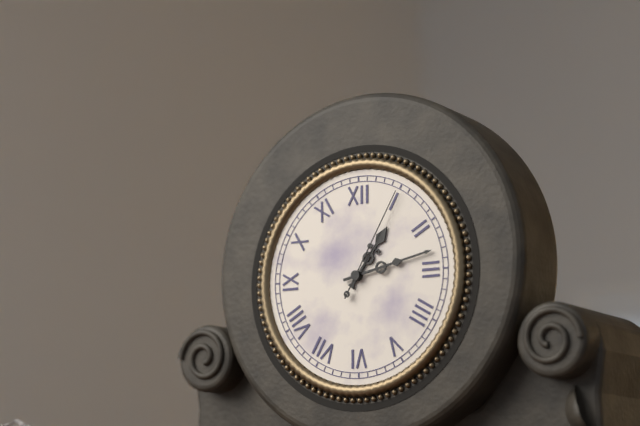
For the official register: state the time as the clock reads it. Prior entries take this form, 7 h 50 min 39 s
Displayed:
1 h 13 min 05 s
